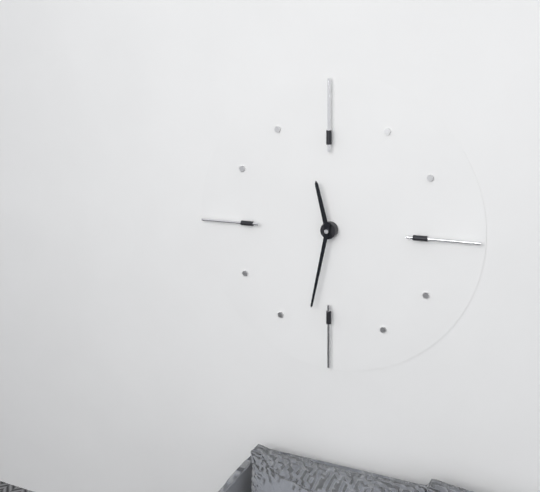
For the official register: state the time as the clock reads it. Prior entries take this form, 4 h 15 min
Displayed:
11 h 32 min
